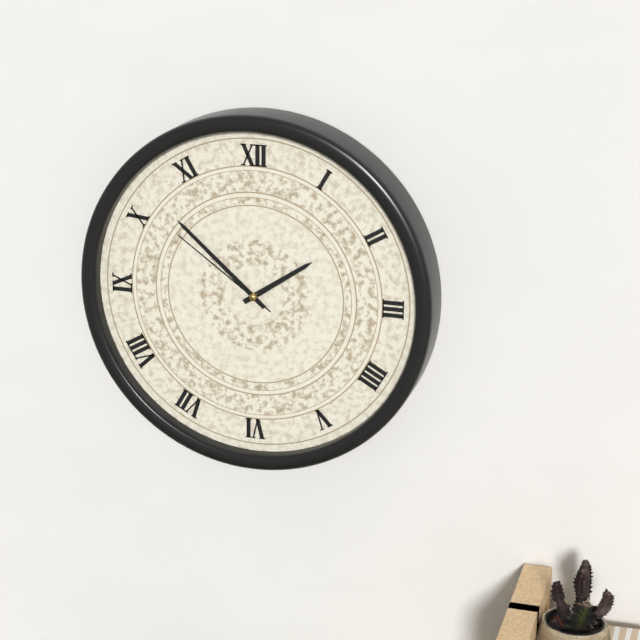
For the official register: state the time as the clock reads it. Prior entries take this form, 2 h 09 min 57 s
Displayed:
1 h 52 min 51 s
